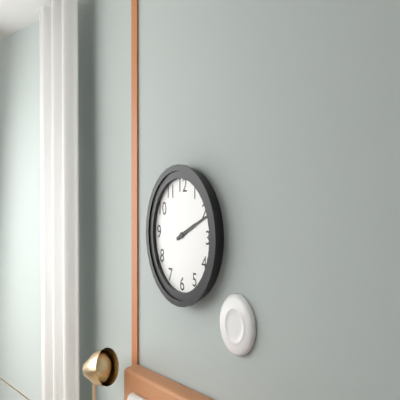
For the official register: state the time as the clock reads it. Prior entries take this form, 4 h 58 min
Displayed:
2 h 11 min
